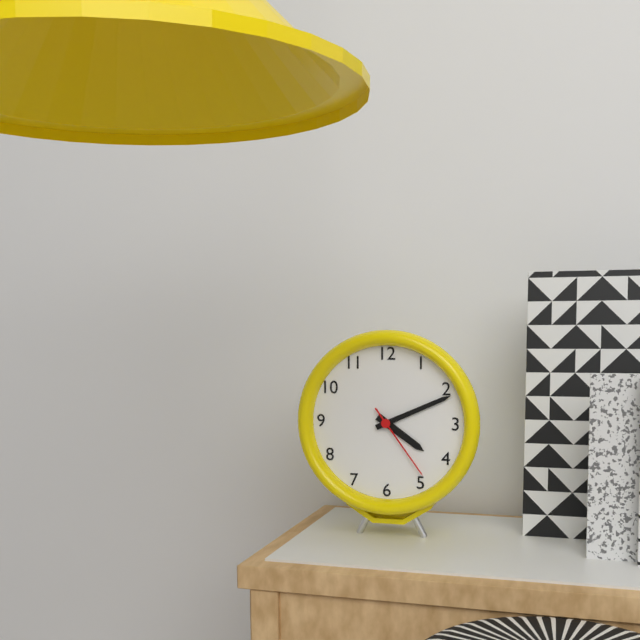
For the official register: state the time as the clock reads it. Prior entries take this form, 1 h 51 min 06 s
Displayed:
4 h 11 min 24 s
